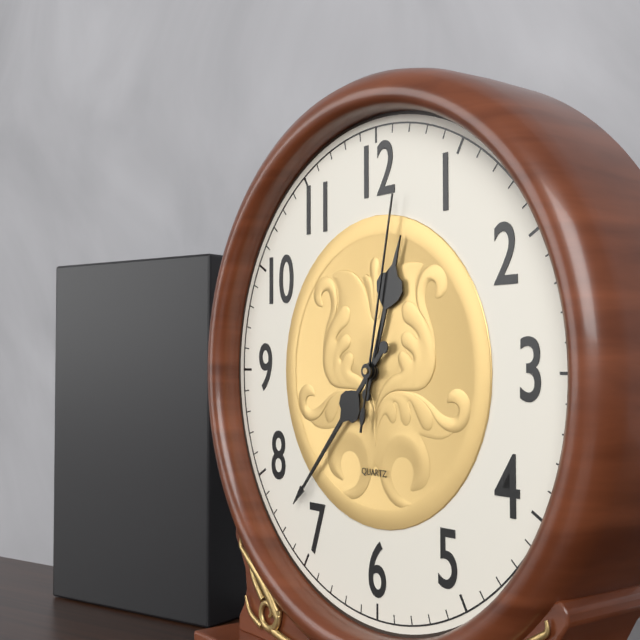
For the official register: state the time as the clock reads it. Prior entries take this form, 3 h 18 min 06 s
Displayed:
12 h 37 min 02 s
